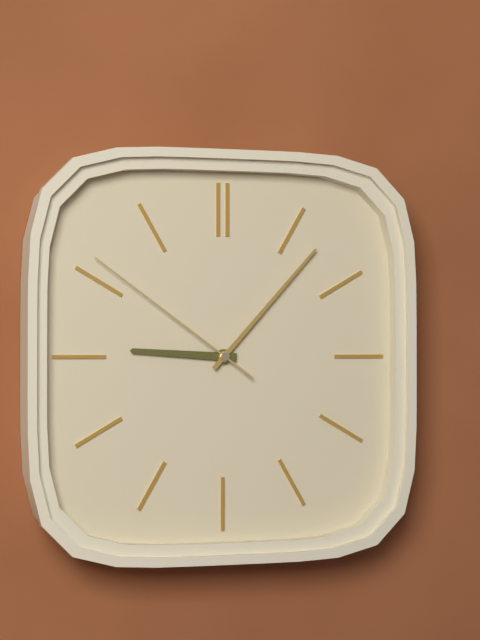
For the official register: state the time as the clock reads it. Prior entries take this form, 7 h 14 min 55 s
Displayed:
9 h 07 min 51 s
